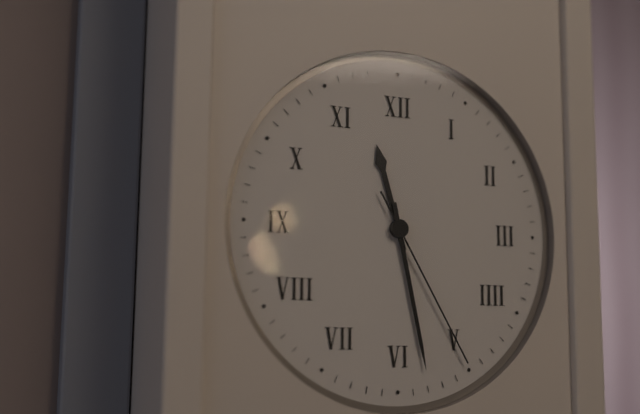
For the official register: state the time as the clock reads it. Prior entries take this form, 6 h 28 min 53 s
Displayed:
11 h 28 min 25 s
